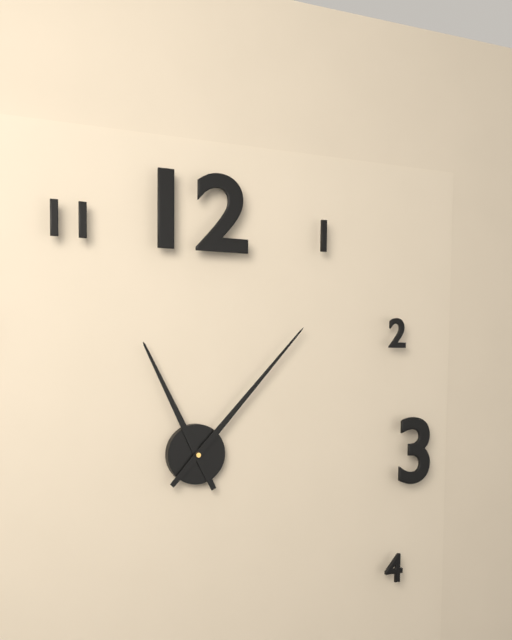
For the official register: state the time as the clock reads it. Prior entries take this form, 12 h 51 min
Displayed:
11 h 07 min
